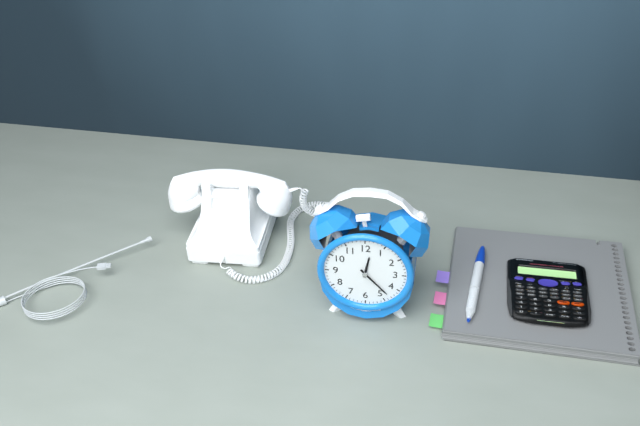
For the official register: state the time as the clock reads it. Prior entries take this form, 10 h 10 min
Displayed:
12 h 23 min
